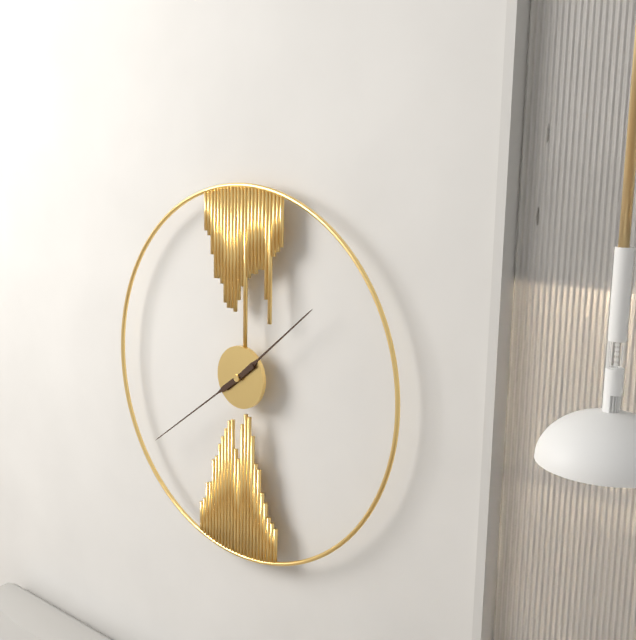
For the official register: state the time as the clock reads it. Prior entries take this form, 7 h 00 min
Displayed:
1 h 39 min
